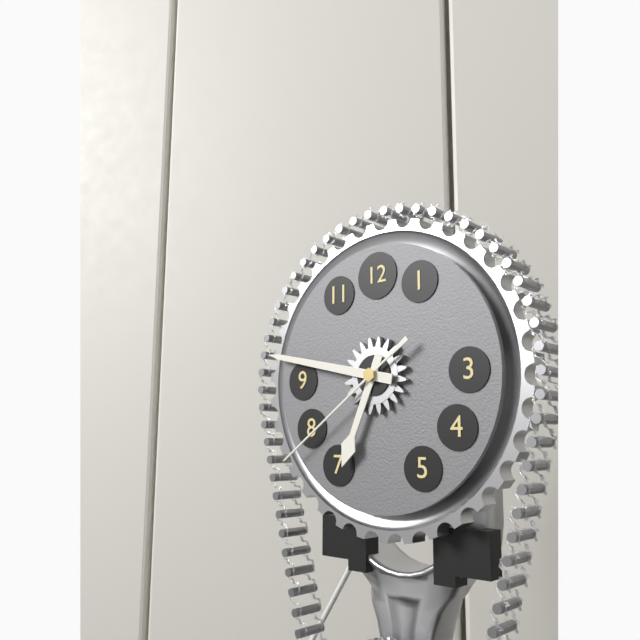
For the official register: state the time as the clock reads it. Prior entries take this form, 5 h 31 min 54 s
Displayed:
6 h 47 min 39 s
